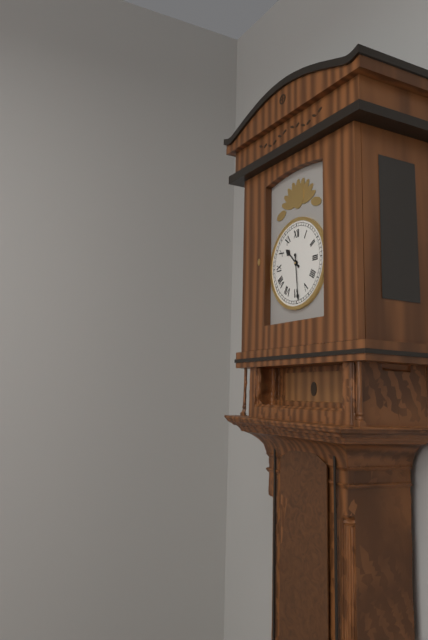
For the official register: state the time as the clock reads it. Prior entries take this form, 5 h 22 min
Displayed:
10 h 29 min
